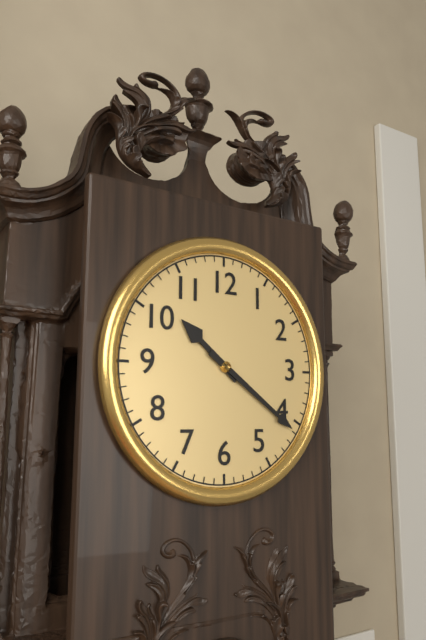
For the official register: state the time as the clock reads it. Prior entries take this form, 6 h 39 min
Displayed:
10 h 21 min
